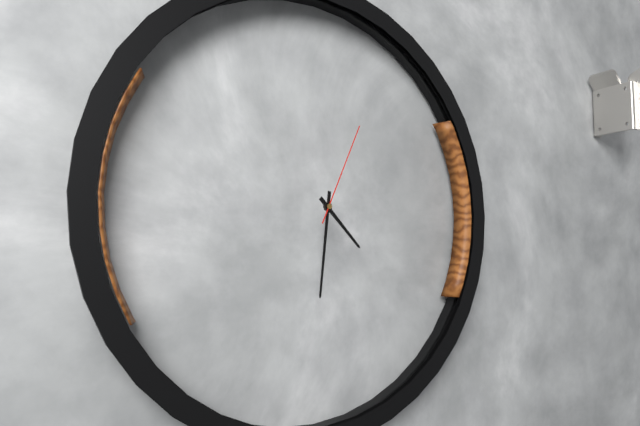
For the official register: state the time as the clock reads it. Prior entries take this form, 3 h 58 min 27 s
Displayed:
4 h 31 min 04 s
